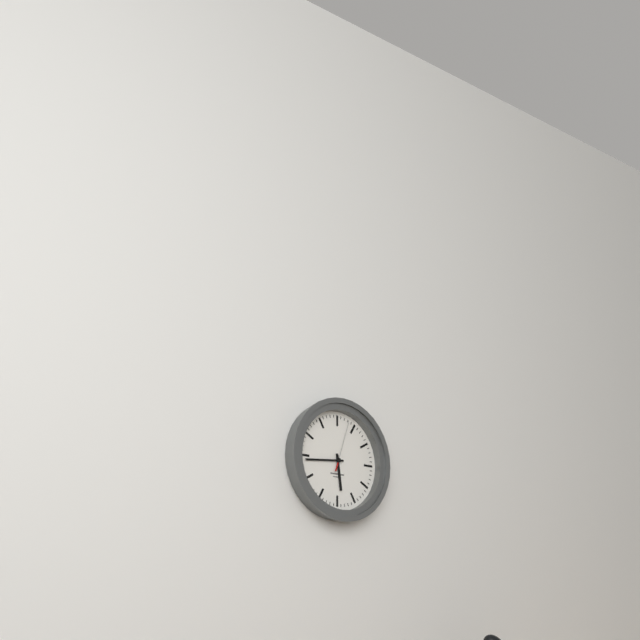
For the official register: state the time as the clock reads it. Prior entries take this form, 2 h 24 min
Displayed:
5 h 44 min
